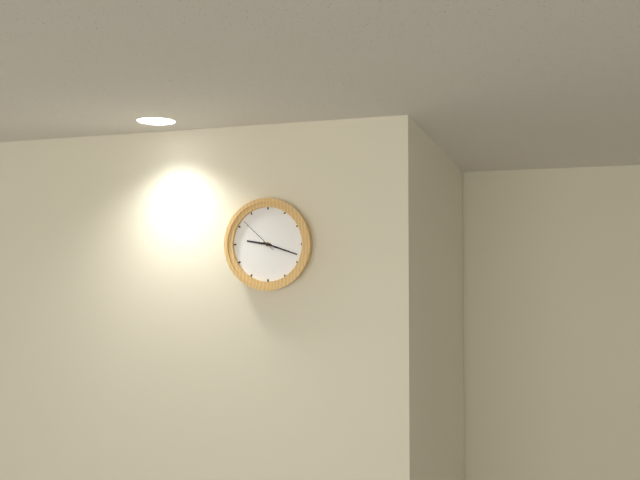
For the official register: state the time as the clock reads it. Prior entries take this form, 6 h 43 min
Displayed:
9 h 18 min
